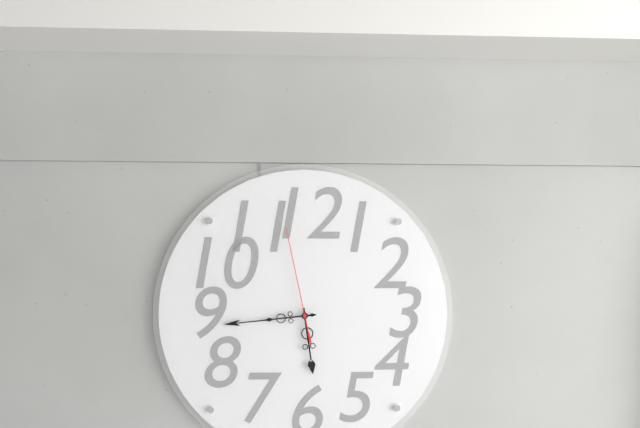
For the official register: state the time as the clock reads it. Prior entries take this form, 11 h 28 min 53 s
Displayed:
5 h 44 min 58 s
